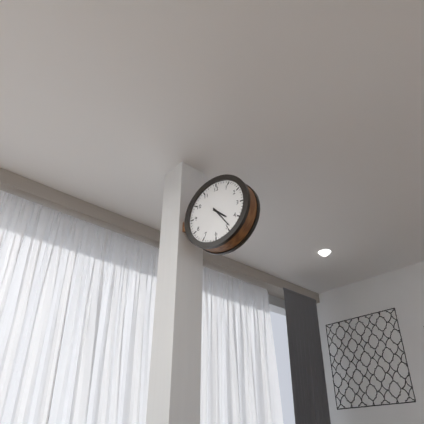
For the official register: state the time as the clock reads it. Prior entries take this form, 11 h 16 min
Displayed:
4 h 24 min
